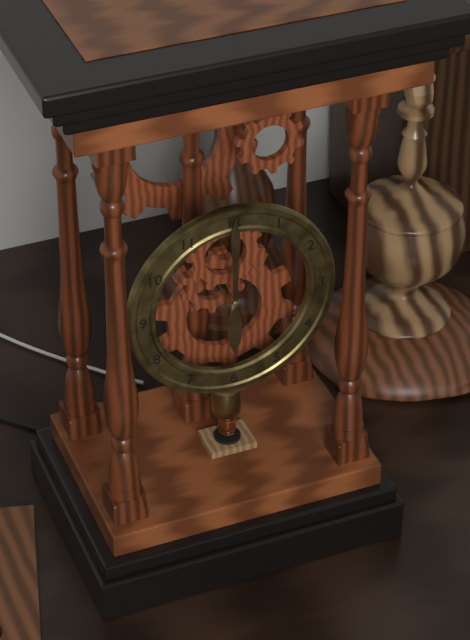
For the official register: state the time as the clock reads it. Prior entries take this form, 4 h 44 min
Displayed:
6 h 00 min
